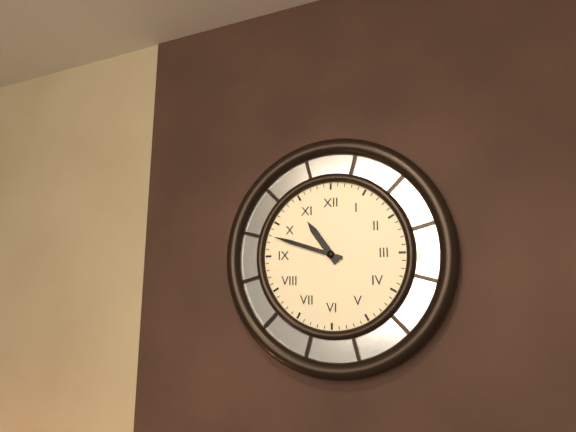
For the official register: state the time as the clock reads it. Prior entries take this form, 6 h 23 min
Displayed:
10 h 48 min
